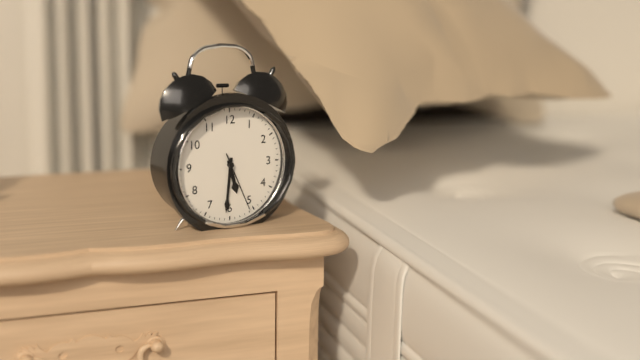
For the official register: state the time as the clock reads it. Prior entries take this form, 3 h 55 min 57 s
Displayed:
5 h 31 min 26 s
